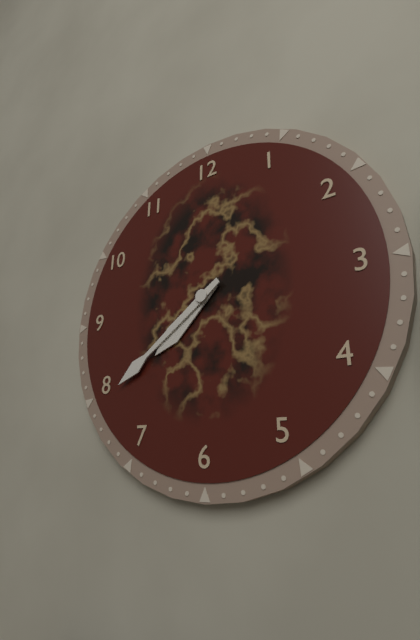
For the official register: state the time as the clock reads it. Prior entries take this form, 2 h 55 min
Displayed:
7 h 39 min
